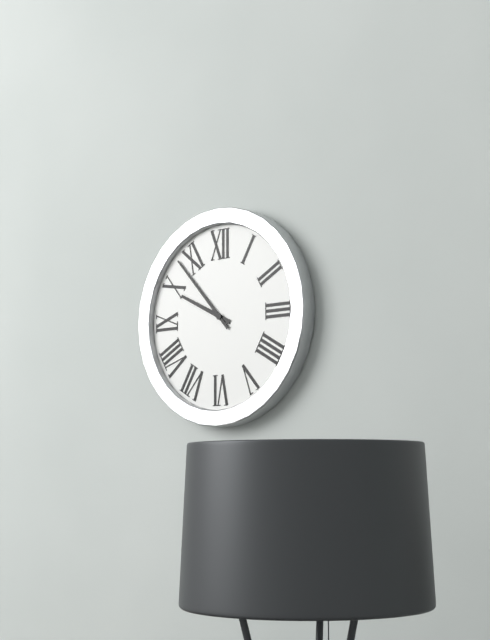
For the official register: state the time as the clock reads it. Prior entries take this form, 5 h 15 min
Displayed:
9 h 53 min
